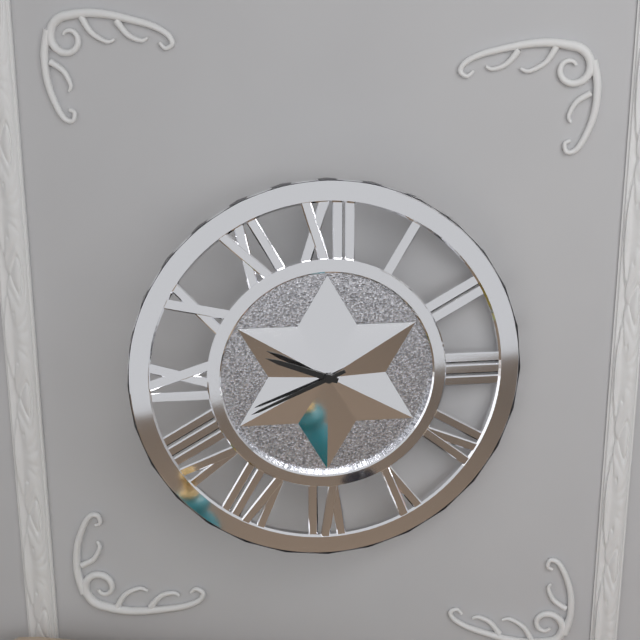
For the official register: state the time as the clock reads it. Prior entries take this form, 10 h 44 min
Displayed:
9 h 41 min
